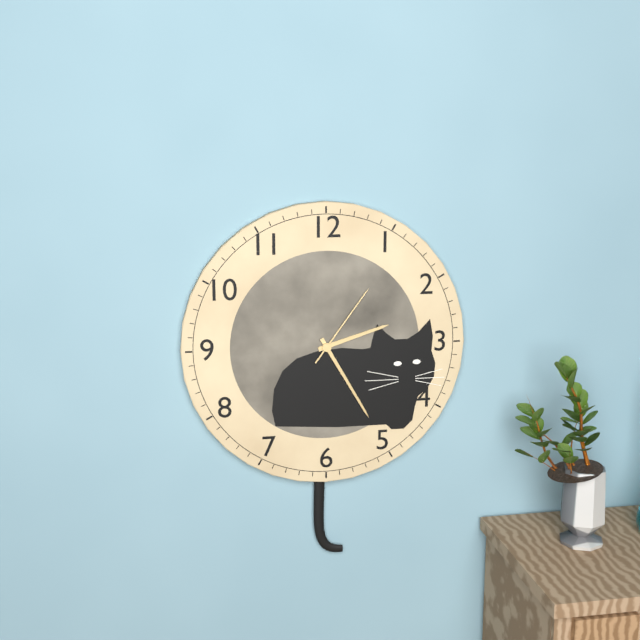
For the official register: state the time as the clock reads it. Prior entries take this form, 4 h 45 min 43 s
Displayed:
2 h 25 min 06 s
